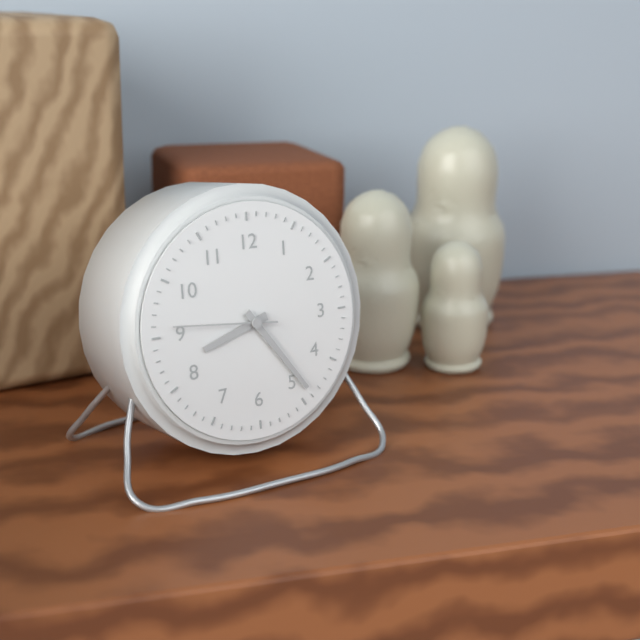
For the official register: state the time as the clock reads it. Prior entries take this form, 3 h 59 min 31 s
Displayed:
8 h 24 min 46 s
